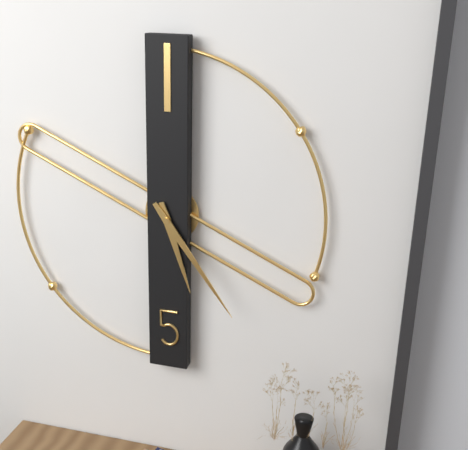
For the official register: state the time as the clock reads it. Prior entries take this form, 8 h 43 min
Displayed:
5 h 24 min
